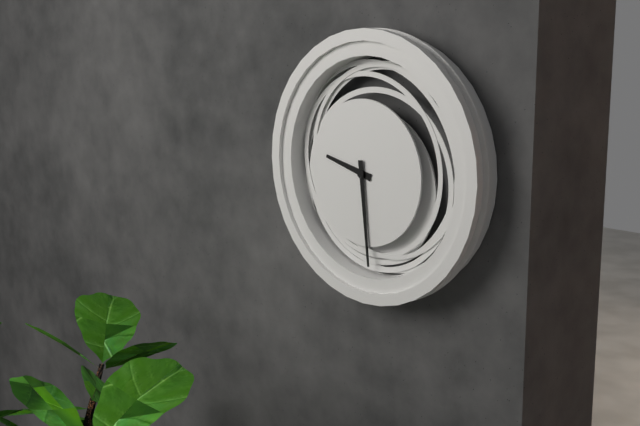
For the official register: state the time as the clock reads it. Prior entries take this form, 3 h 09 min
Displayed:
9 h 29 min
